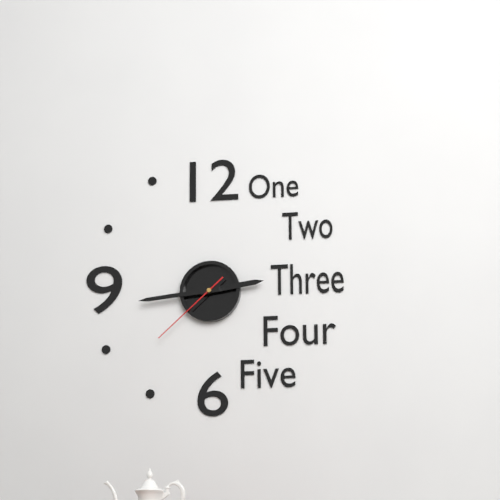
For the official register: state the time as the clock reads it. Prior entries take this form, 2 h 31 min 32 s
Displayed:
2 h 44 min 38 s
